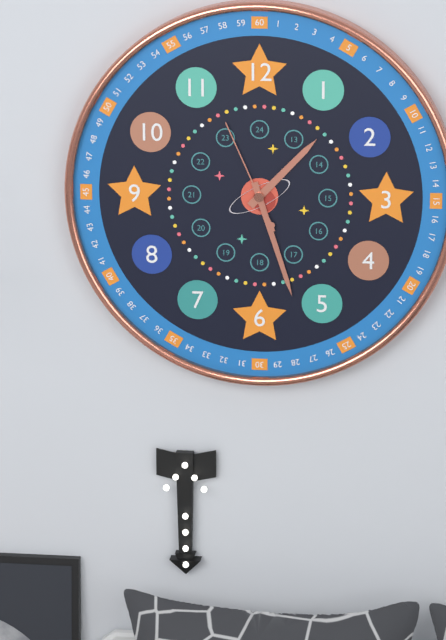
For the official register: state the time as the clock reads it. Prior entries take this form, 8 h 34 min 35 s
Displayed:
1 h 27 min 56 s
